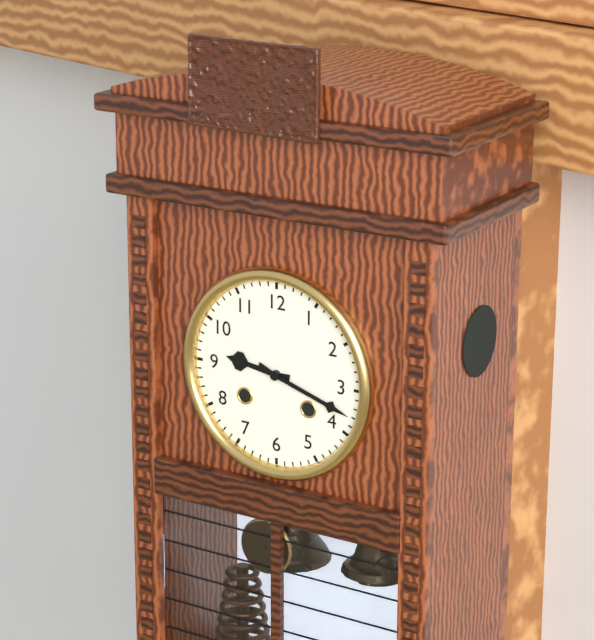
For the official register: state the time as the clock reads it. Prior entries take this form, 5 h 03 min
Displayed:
9 h 18 min
